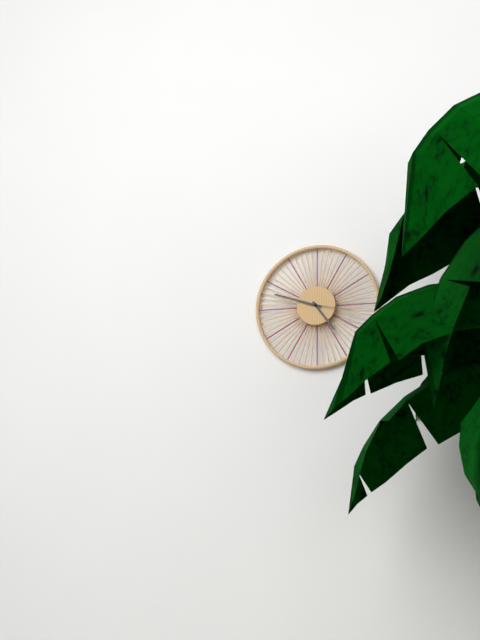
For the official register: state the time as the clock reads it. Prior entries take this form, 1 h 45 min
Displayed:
4 h 48 min
